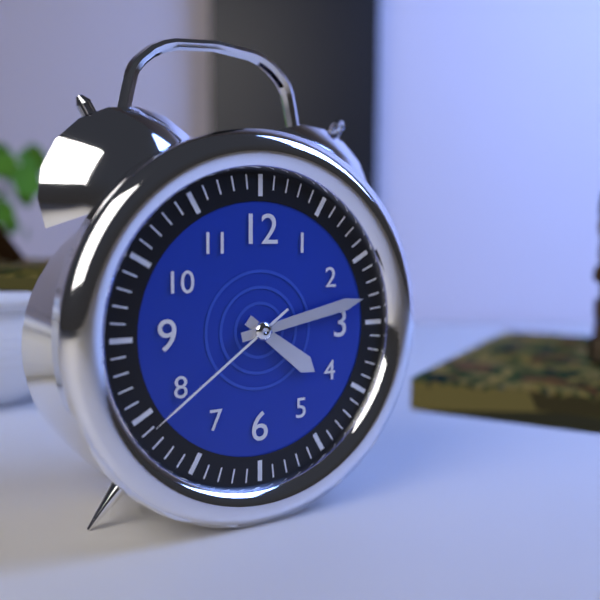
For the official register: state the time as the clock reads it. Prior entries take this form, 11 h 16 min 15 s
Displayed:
4 h 13 min 39 s
